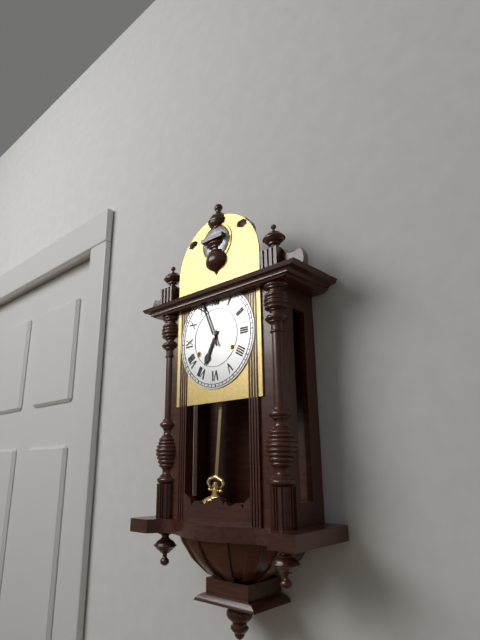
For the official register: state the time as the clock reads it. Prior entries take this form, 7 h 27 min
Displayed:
6 h 56 min
